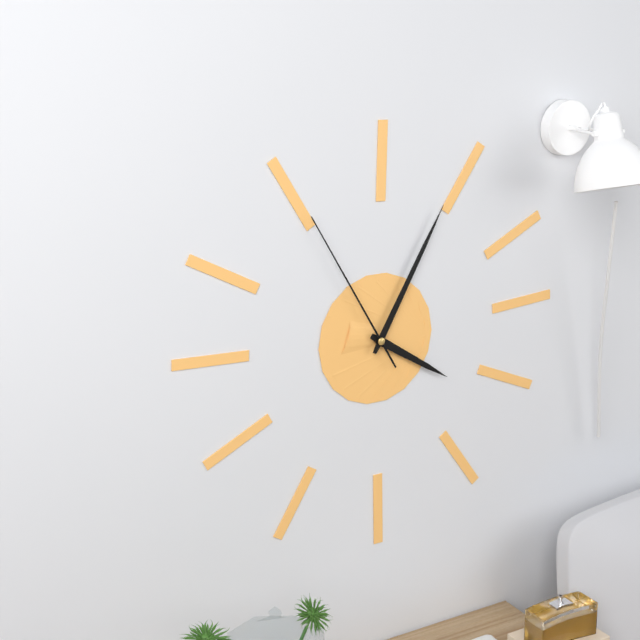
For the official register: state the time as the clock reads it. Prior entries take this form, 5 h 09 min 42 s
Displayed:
4 h 05 min 55 s
